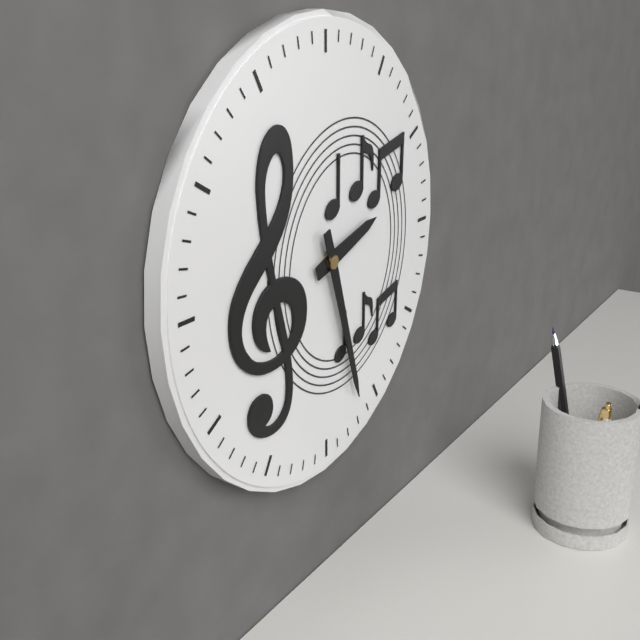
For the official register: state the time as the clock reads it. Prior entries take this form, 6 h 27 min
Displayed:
2 h 27 min
